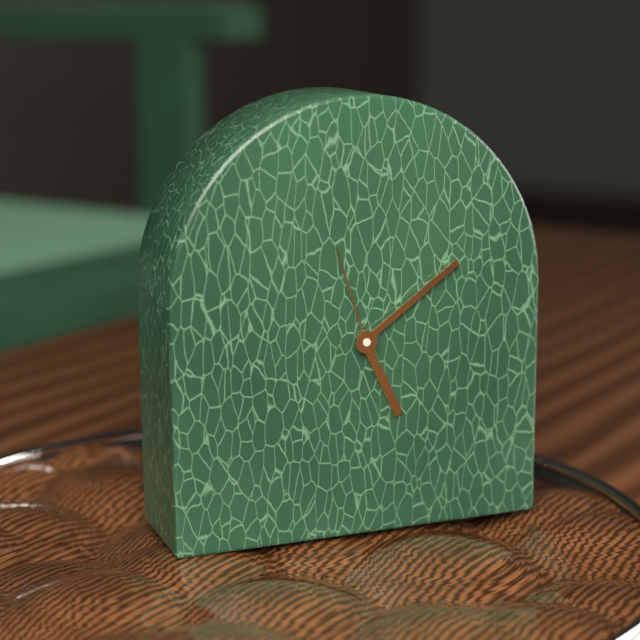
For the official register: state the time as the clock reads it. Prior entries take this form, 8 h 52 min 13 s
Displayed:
5 h 09 min 57 s
